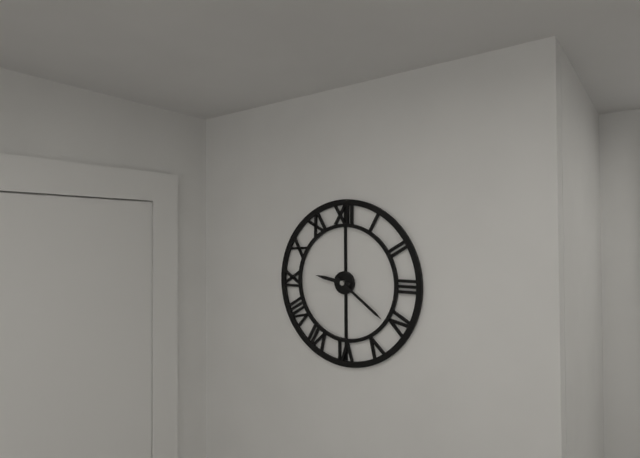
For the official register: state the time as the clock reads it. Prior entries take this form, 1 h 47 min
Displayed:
9 h 21 min
